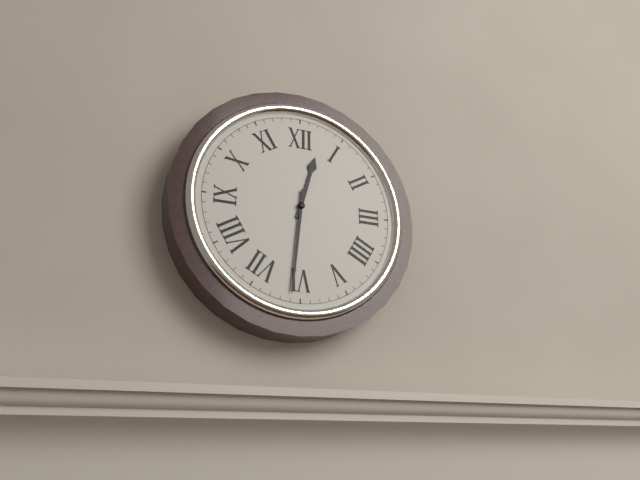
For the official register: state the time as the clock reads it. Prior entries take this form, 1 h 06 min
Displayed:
12 h 31 min
